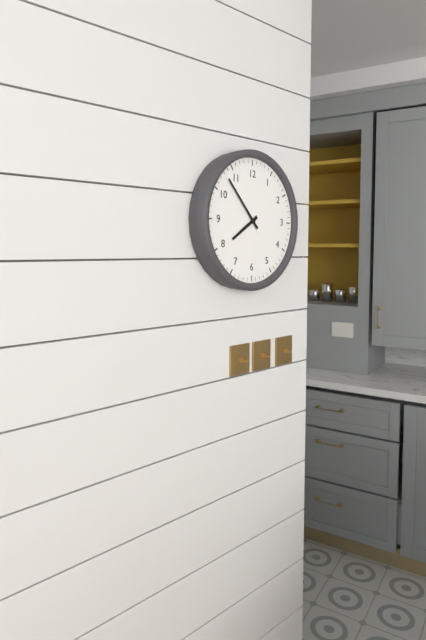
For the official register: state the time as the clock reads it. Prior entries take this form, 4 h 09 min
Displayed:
7 h 53 min
